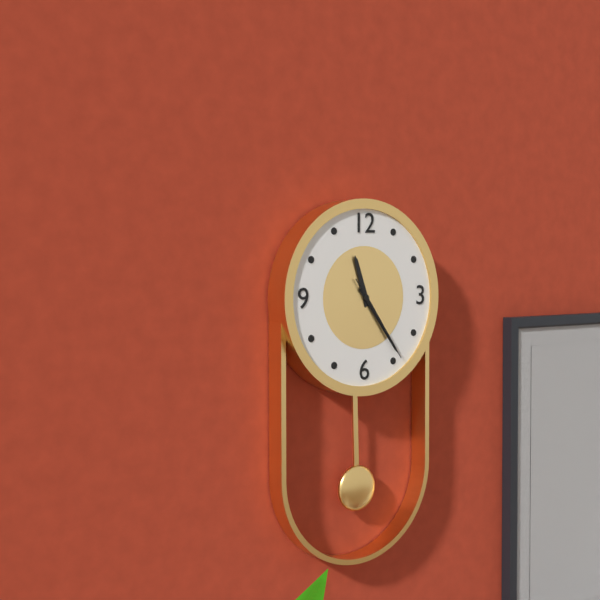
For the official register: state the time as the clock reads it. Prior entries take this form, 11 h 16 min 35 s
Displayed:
11 h 24 min 24 s
